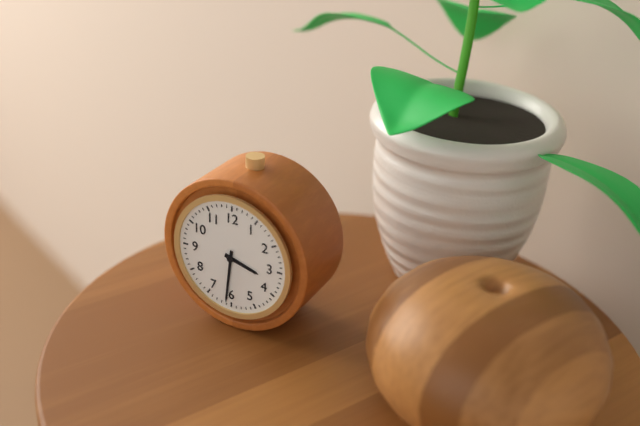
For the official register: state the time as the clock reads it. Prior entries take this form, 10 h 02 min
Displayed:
3 h 31 min
